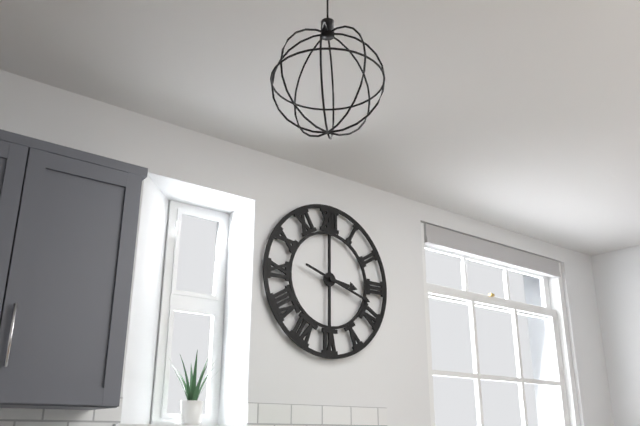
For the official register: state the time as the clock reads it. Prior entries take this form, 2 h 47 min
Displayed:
3 h 18 min
